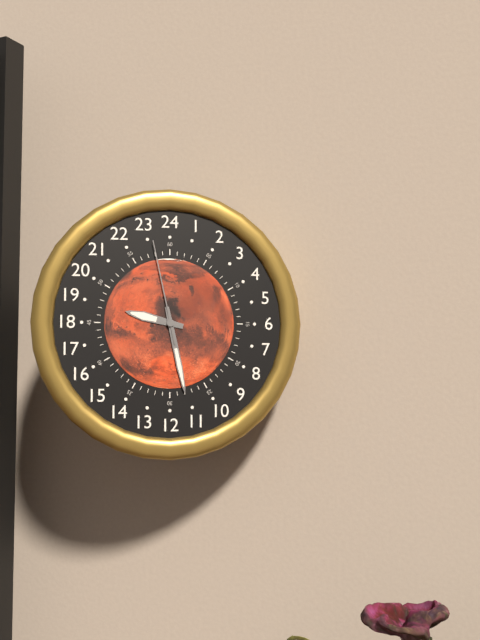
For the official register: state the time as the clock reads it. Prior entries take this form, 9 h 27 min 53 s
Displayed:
9 h 28 min 58 s
